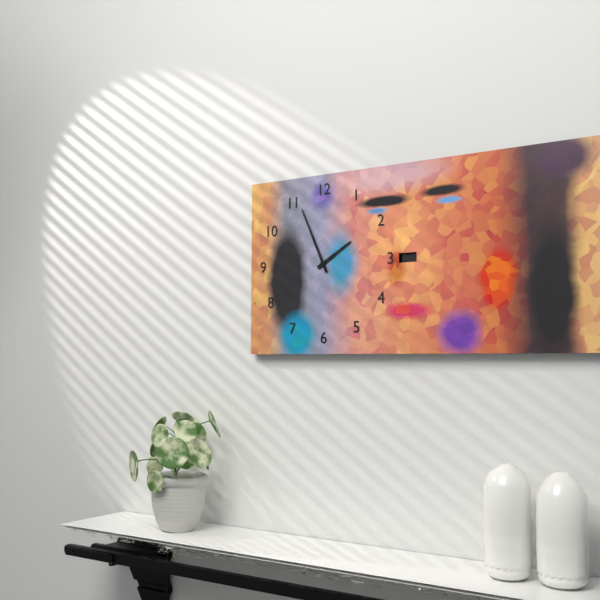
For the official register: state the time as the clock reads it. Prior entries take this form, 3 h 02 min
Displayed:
1 h 56 min
